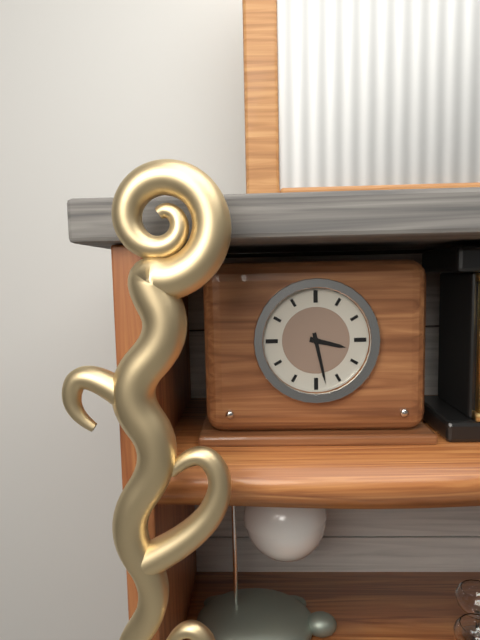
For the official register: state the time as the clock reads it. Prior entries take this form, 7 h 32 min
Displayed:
3 h 28 min
